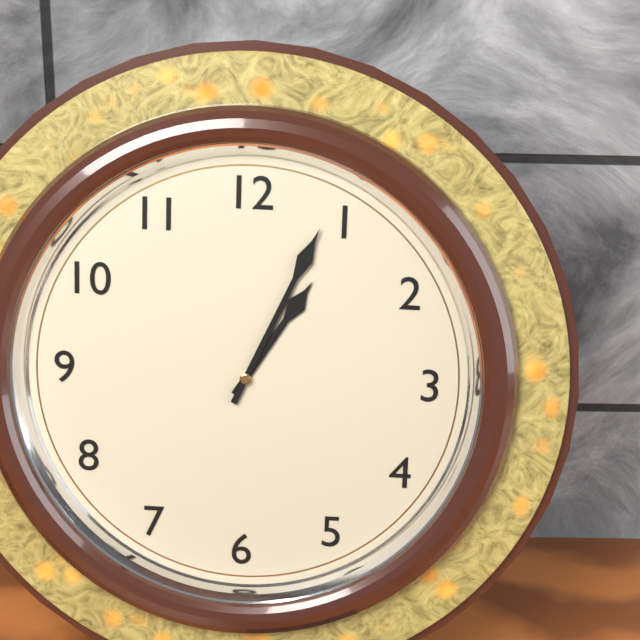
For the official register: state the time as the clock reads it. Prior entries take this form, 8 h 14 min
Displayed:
1 h 04 min
